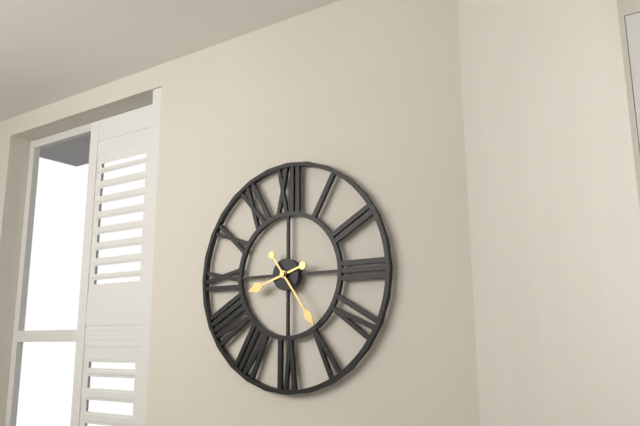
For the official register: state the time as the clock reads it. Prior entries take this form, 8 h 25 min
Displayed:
8 h 24 min
